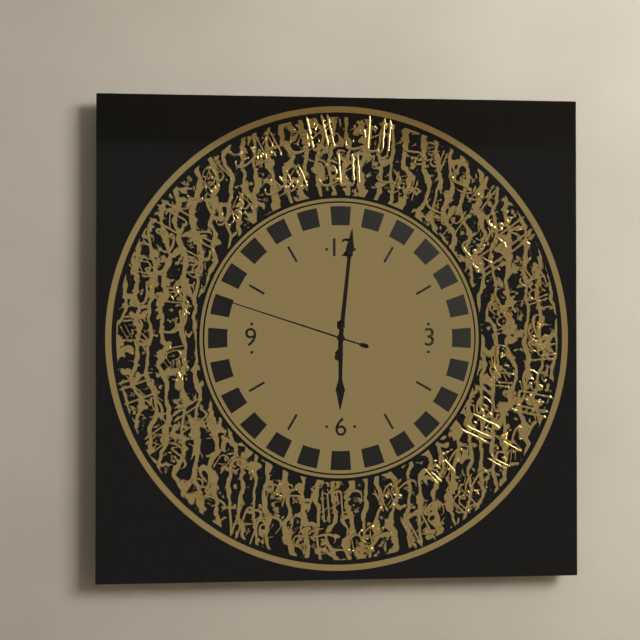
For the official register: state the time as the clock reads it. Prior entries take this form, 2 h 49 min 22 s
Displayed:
6 h 01 min 48 s
